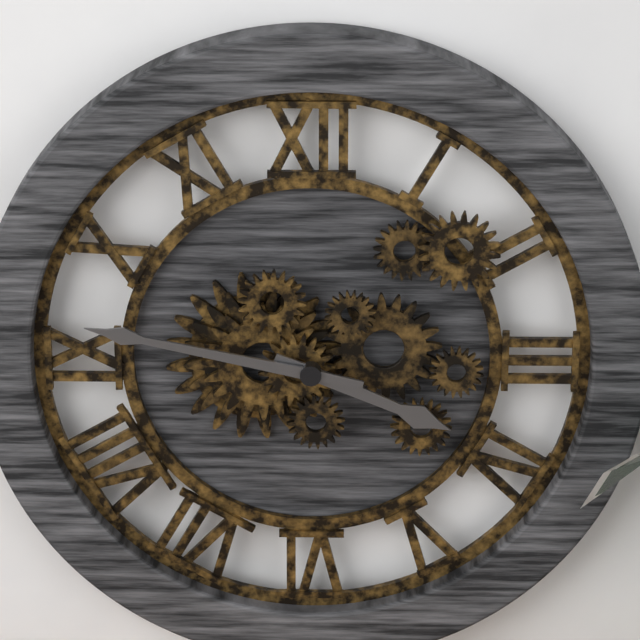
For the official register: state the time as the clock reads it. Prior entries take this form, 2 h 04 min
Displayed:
3 h 47 min
